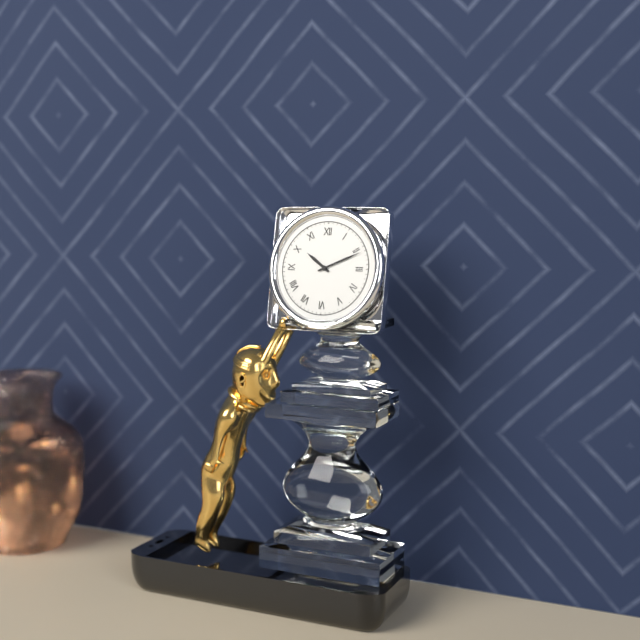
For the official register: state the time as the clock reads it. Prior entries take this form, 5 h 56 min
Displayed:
10 h 11 min
